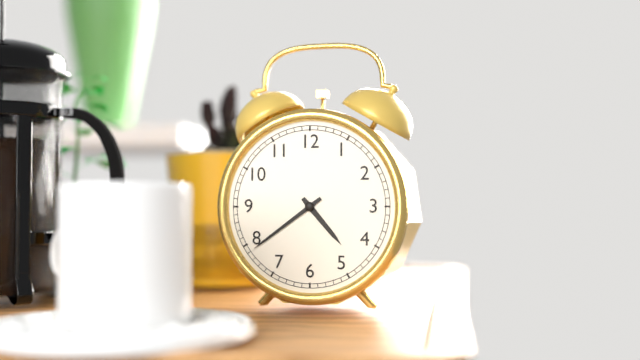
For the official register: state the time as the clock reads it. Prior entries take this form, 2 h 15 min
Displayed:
4 h 39 min
